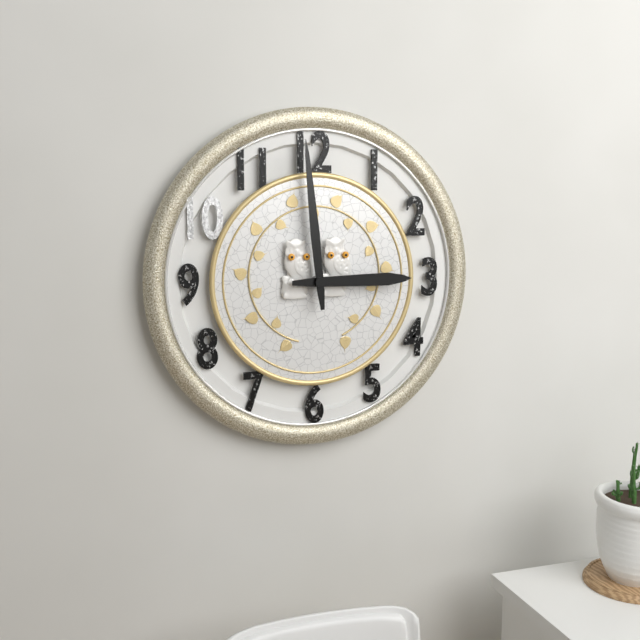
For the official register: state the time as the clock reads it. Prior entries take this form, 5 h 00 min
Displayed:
2 h 59 min
